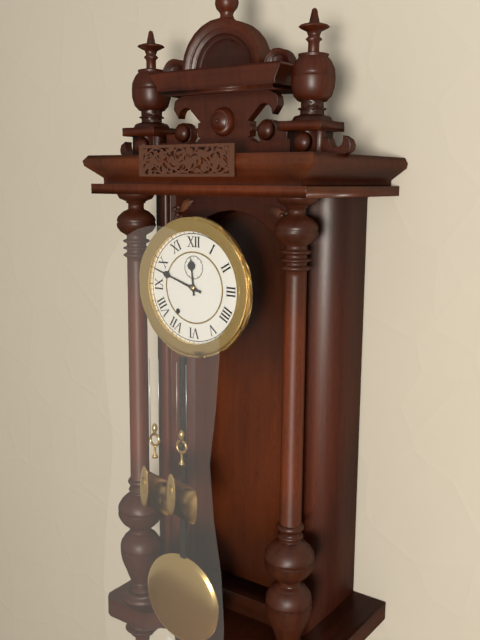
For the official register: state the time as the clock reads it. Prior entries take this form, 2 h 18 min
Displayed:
11 h 48 min
